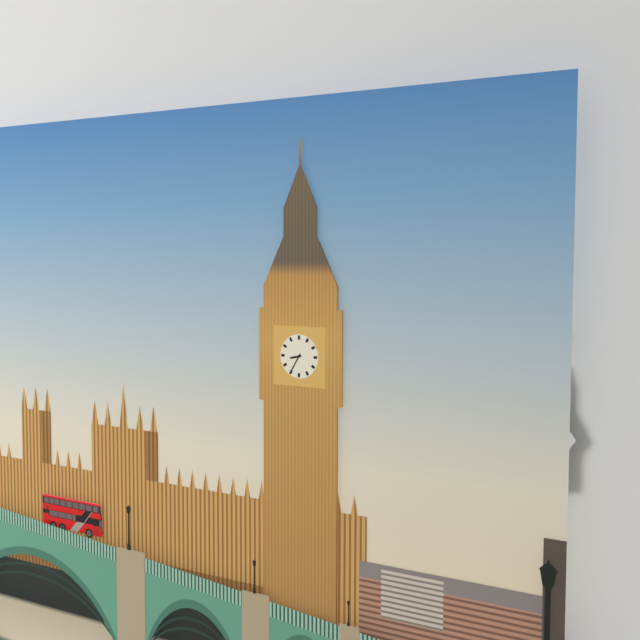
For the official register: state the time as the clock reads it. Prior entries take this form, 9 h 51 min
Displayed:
8 h 35 min
